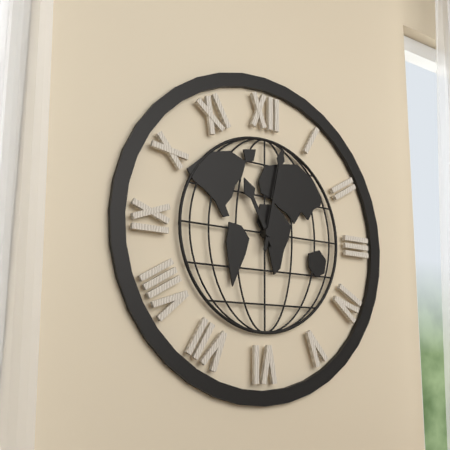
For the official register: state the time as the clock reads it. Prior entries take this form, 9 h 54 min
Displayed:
11 h 02 min
